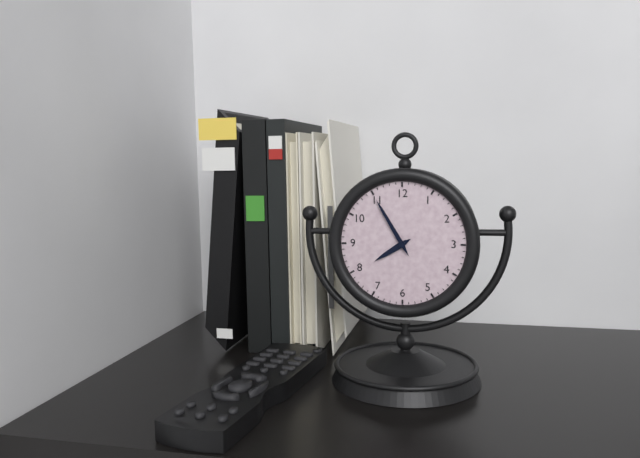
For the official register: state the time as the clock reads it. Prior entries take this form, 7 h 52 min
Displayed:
7 h 55 min
